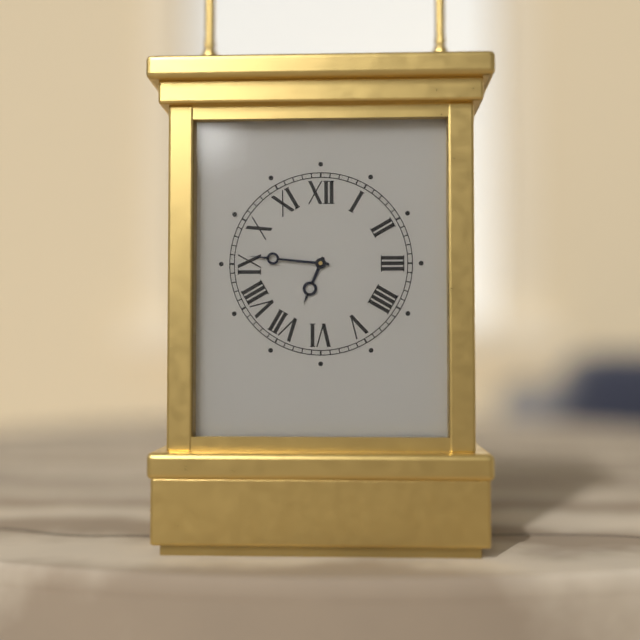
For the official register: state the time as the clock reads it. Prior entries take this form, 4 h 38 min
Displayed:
6 h 46 min
